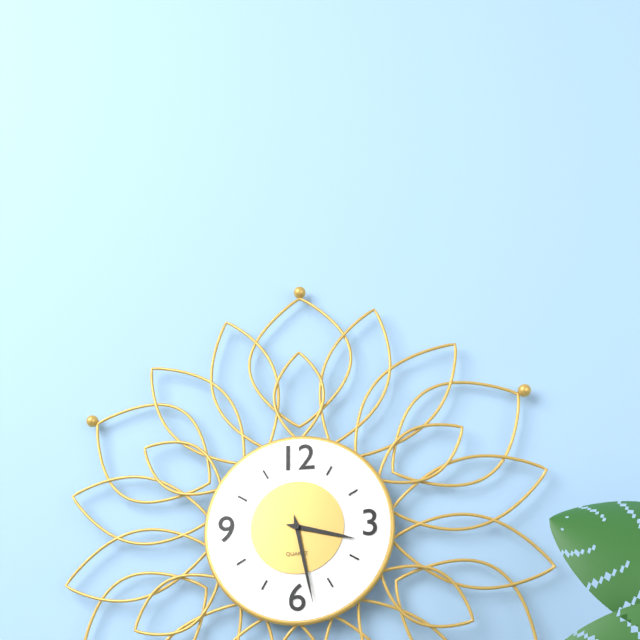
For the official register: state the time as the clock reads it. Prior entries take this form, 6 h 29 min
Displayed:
3 h 28 min
